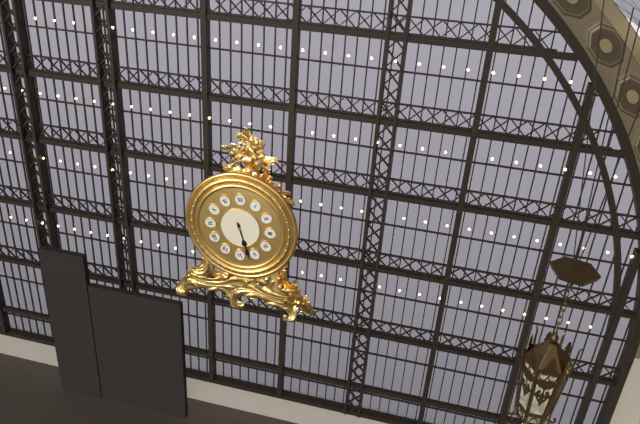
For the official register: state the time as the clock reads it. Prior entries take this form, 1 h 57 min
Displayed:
5 h 27 min
